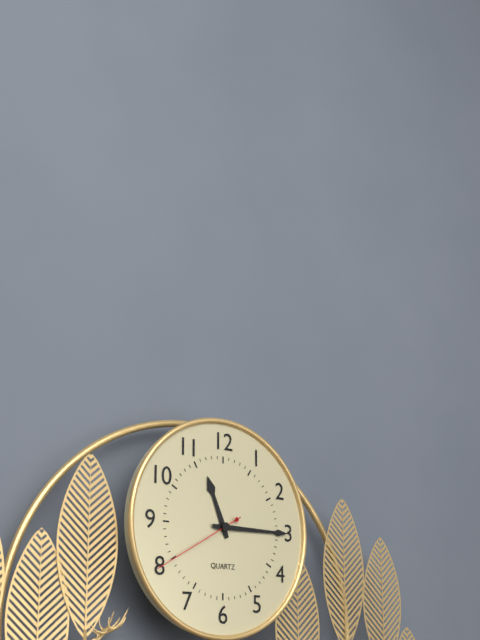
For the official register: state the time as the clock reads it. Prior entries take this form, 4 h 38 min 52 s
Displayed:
11 h 15 min 40 s
